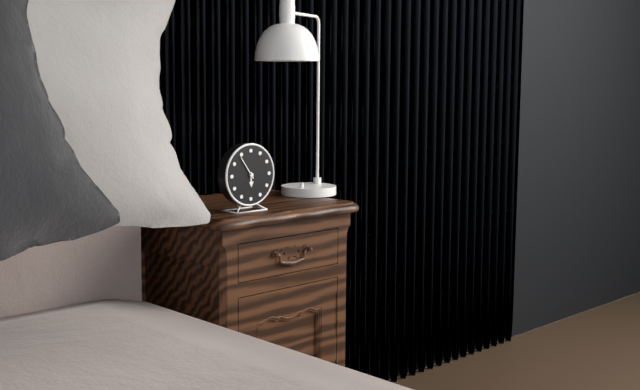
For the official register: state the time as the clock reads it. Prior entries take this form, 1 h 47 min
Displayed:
5 h 54 min
